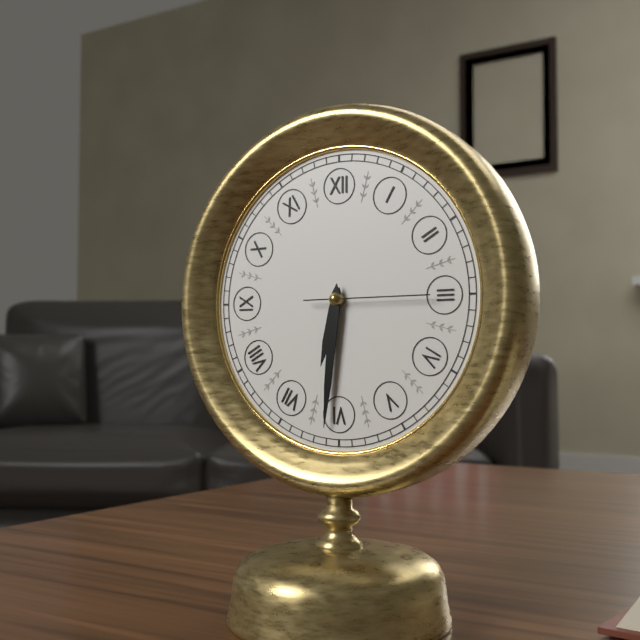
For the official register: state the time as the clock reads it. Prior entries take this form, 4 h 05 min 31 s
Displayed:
6 h 31 min 15 s
